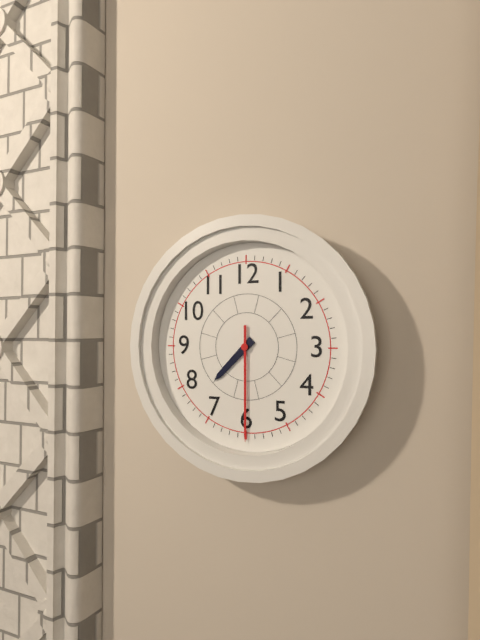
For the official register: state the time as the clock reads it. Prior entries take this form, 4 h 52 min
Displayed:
7 h 30 min
